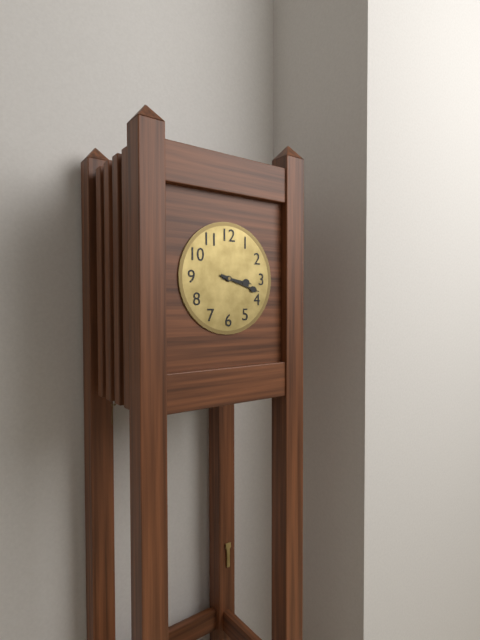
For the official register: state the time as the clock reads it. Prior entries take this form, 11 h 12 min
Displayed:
3 h 18 min
